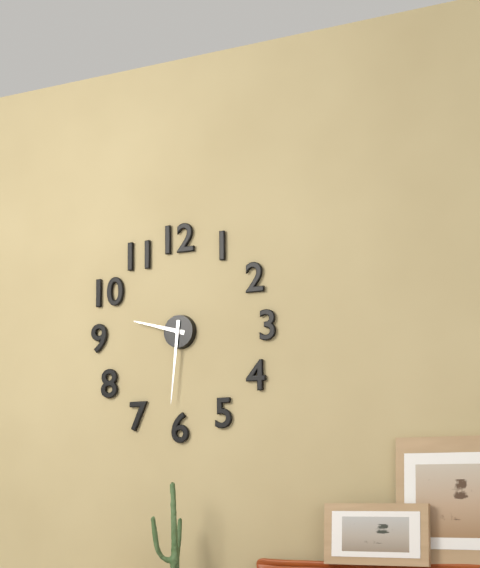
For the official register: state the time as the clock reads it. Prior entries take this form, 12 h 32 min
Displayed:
9 h 31 min
